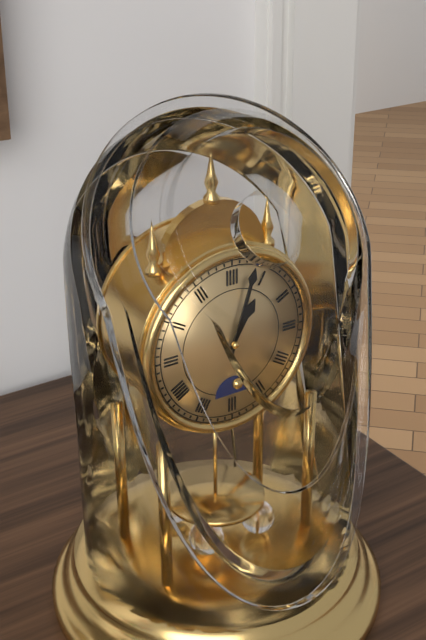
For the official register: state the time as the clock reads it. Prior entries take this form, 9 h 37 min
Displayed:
1 h 03 min
